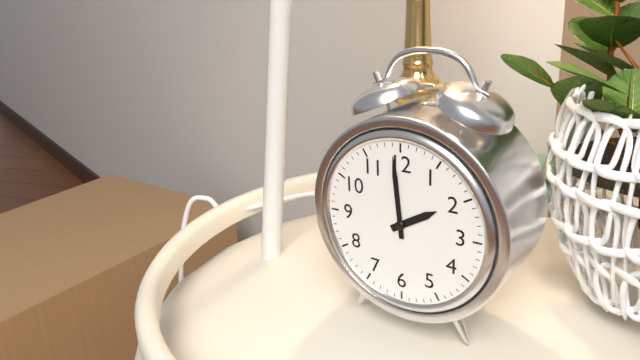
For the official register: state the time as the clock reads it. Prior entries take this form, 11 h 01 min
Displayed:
1 h 59 min
